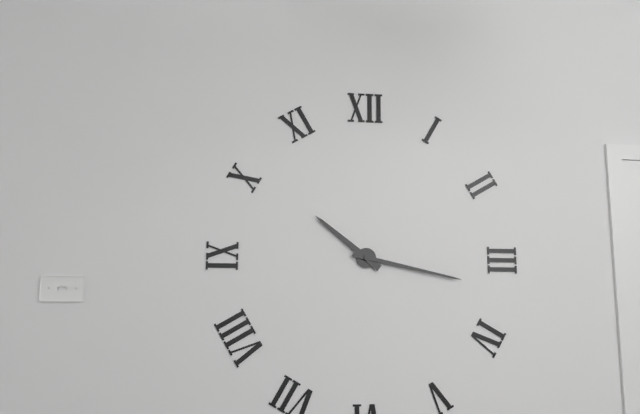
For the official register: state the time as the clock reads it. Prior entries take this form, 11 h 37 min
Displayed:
10 h 17 min
